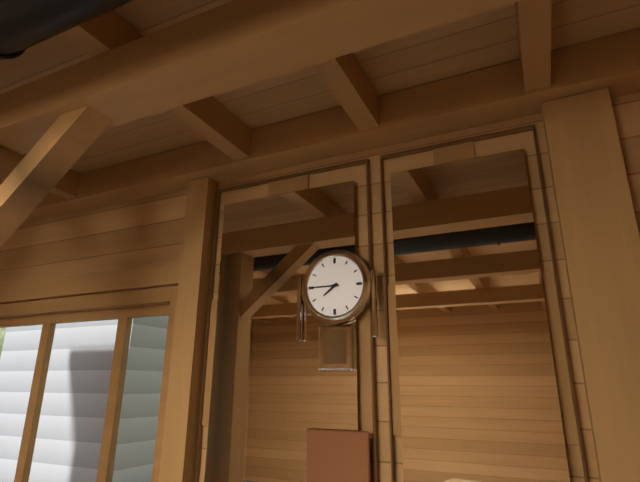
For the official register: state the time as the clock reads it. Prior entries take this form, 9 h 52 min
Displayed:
7 h 45 min
